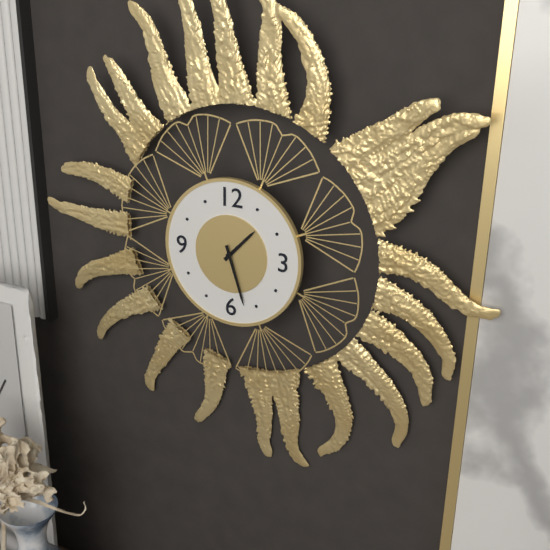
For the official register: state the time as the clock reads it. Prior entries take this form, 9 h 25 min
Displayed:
1 h 27 min
